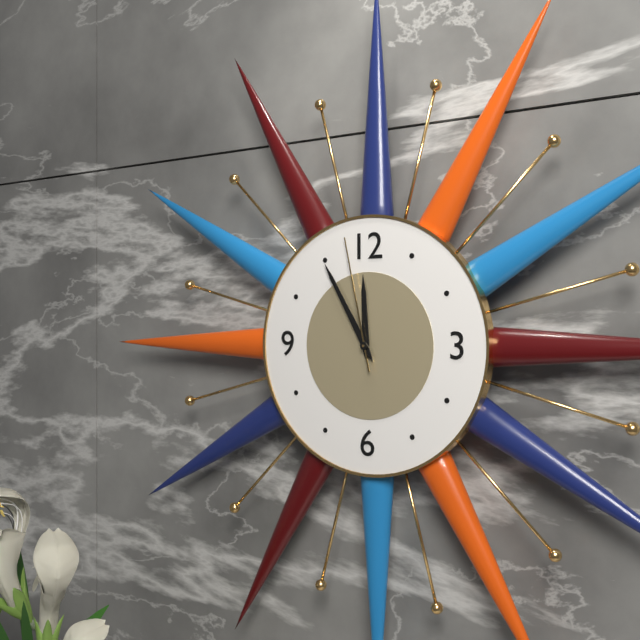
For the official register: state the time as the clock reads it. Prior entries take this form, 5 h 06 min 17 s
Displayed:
11 h 55 min 58 s
